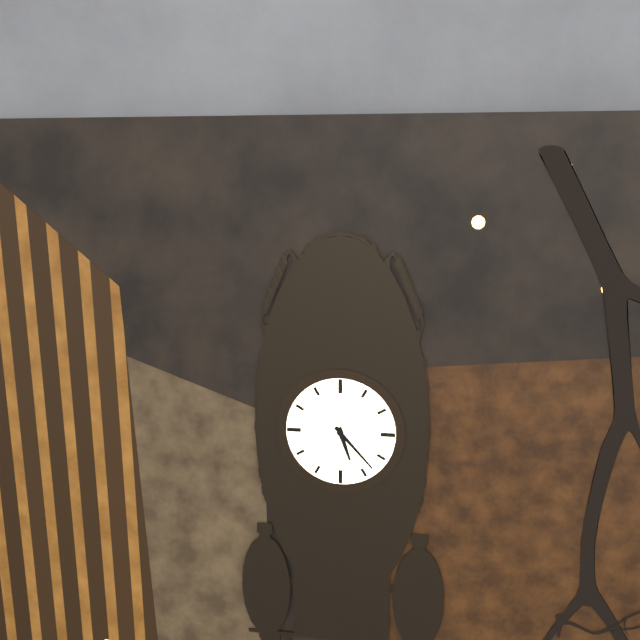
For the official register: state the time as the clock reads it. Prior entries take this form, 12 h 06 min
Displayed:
5 h 23 min
